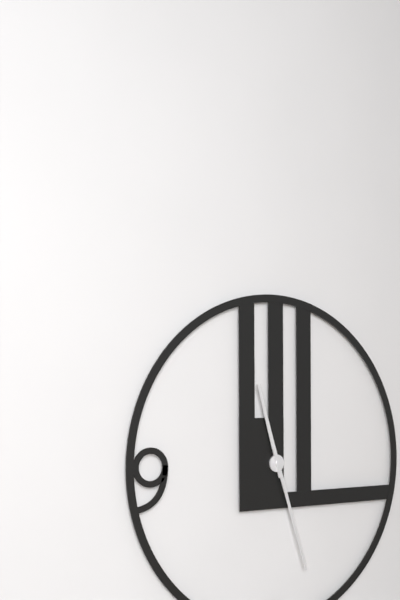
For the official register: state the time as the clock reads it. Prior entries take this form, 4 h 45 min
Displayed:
11 h 27 min
